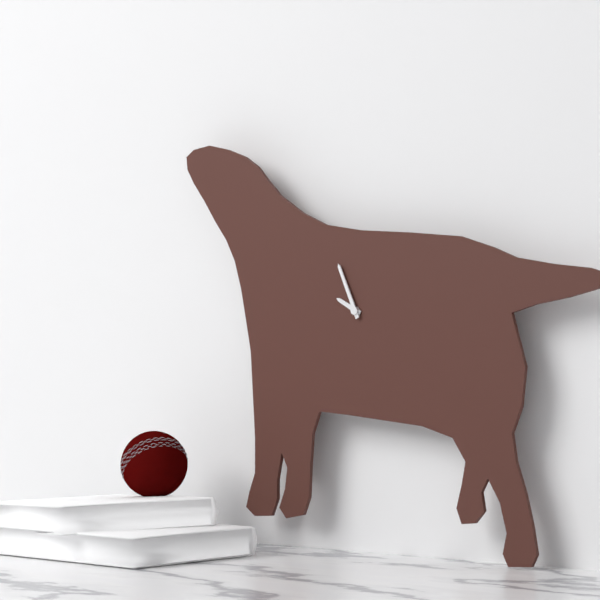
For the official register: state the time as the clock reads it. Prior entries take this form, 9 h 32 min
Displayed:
9 h 56 min
